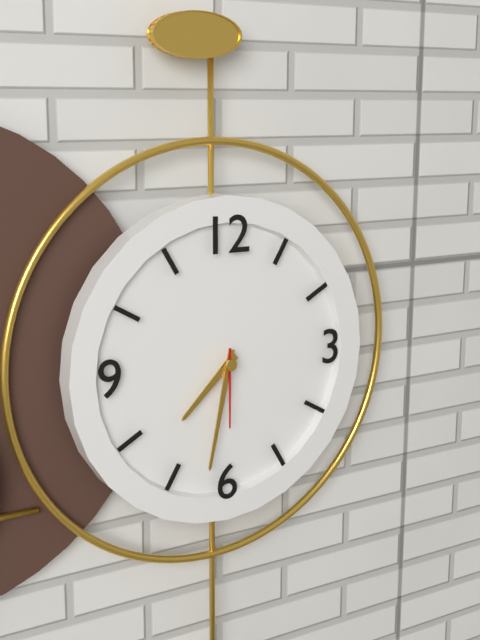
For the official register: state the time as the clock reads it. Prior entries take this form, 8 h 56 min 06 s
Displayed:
7 h 32 min 30 s
